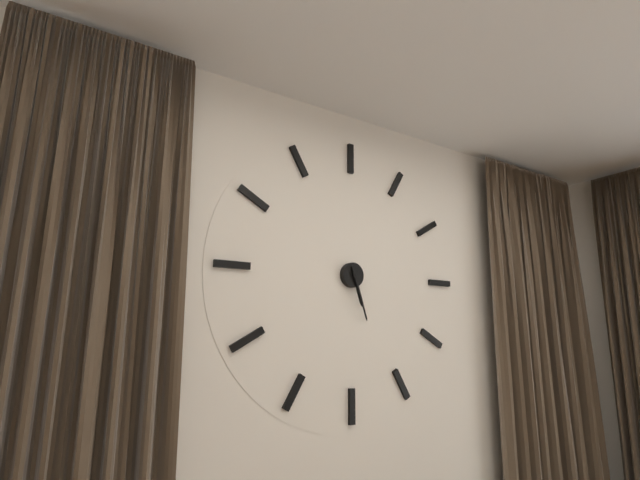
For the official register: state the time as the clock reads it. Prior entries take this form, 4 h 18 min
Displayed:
5 h 27 min
